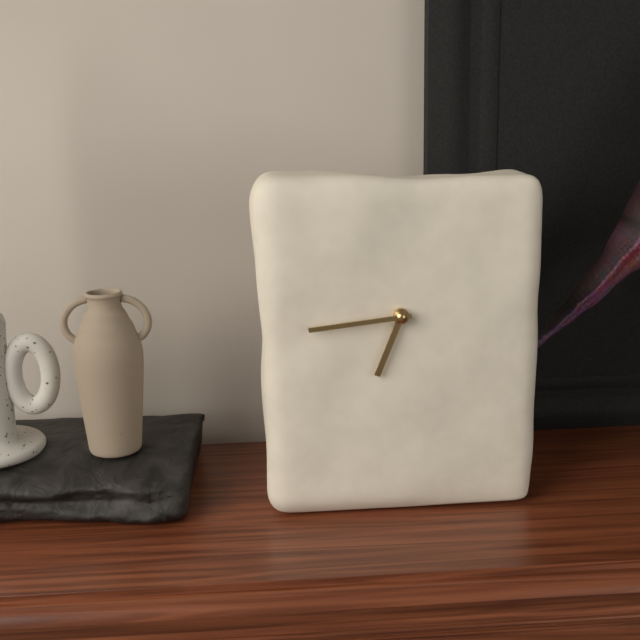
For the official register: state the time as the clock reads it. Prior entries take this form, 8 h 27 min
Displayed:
6 h 44 min
